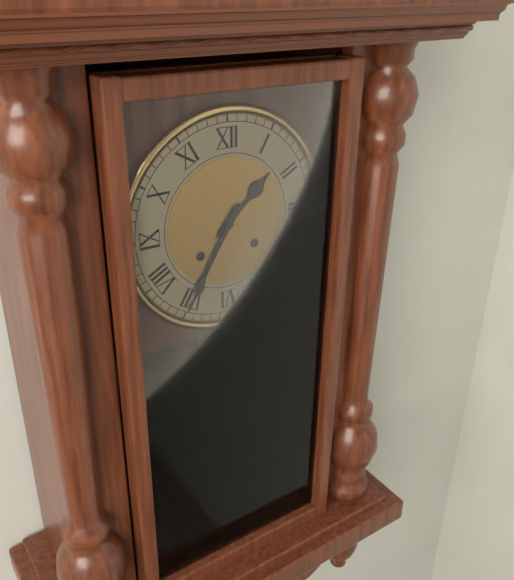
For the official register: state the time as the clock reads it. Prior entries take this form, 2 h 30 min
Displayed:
1 h 35 min
